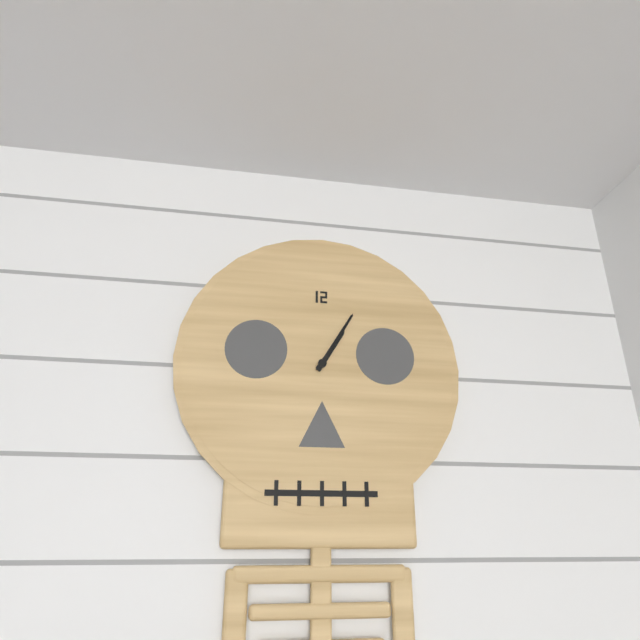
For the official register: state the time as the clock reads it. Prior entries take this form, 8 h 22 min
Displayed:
1 h 05 min
